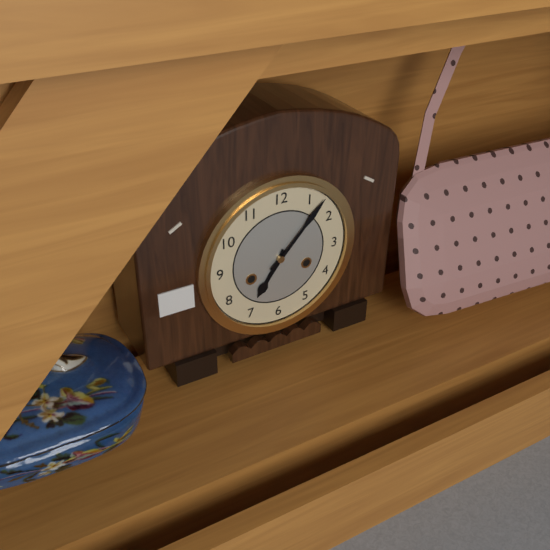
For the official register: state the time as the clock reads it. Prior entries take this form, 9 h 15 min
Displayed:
7 h 07 min
